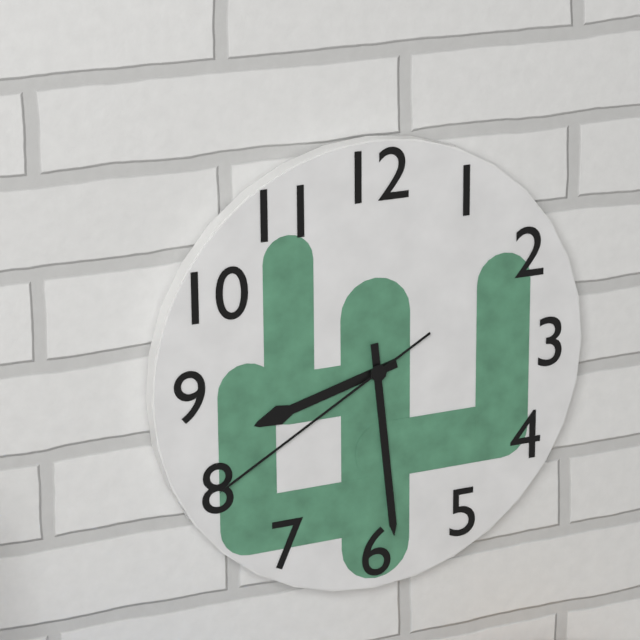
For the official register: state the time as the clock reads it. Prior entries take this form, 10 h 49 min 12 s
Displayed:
8 h 29 min 40 s
